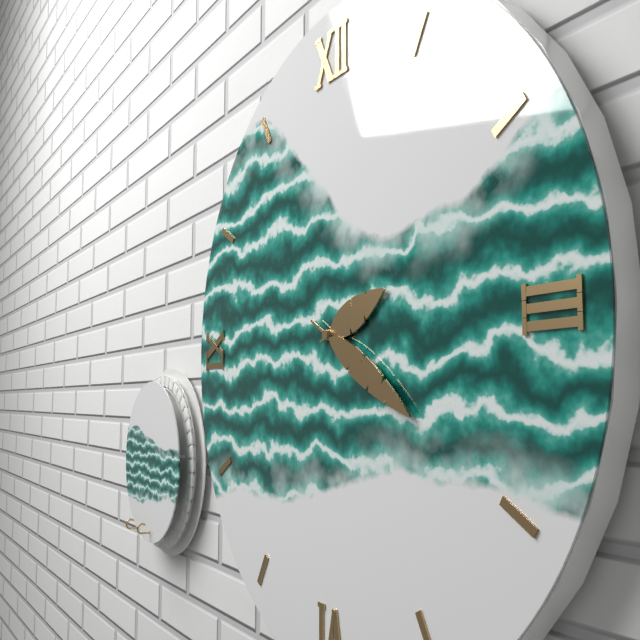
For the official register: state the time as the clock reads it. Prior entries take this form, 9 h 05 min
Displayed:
2 h 20 min
